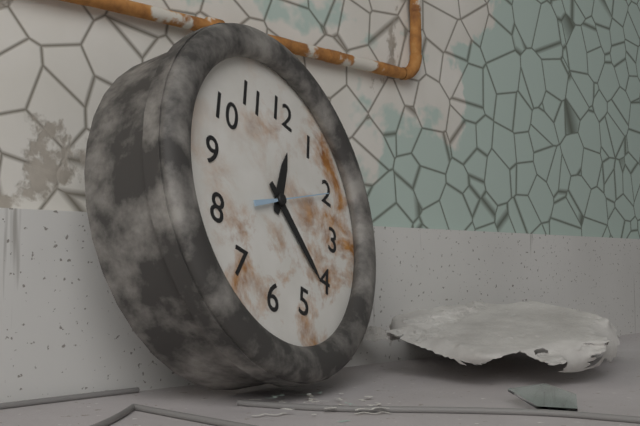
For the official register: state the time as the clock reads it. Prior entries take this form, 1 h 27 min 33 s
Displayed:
12 h 21 min 10 s
